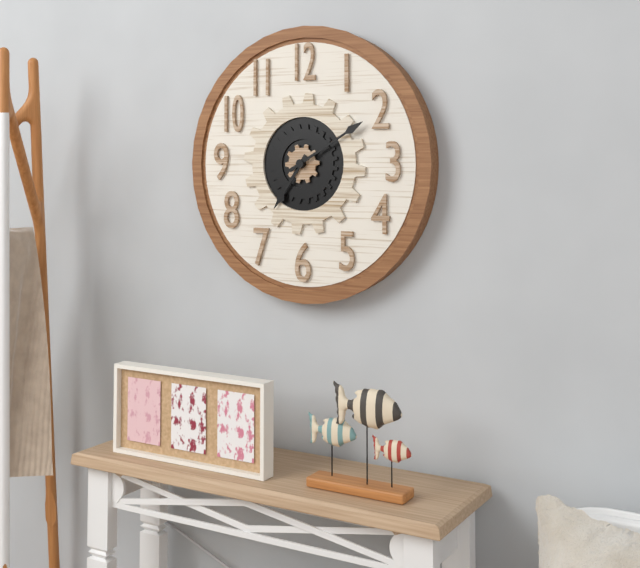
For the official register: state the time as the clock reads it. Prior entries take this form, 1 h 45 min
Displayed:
7 h 10 min
